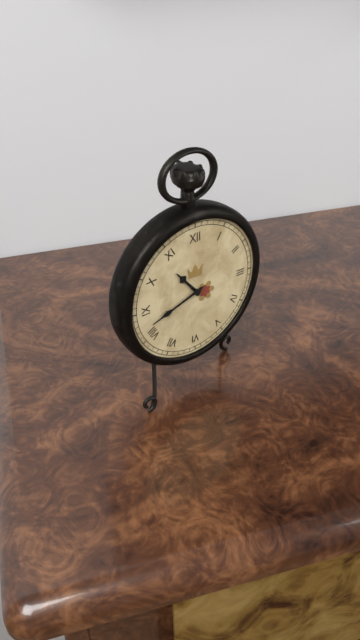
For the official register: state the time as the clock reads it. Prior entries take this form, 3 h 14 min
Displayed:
10 h 42 min
